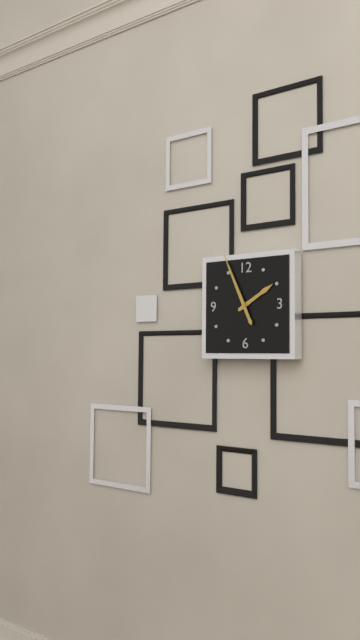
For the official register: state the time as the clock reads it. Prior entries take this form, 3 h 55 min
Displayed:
1 h 56 min
